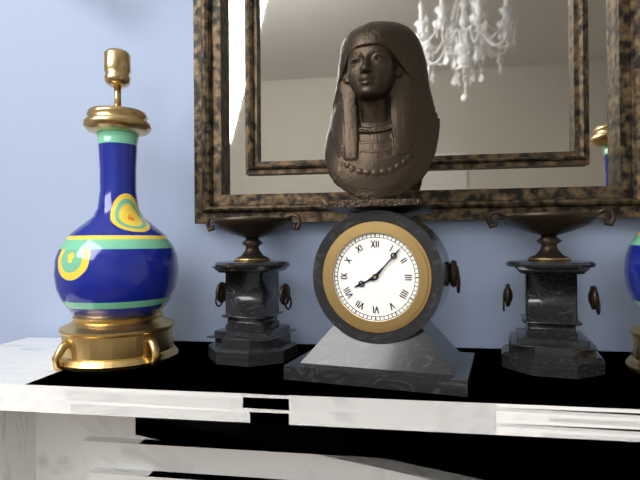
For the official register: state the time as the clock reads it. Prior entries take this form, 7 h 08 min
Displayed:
8 h 07 min
